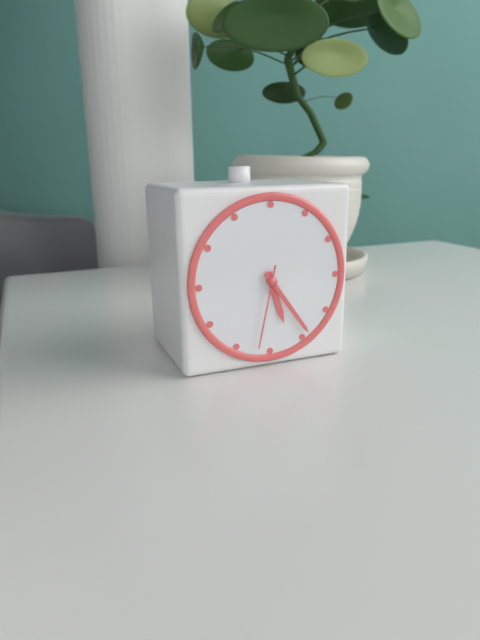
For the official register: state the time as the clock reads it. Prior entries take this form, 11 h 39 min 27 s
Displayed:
5 h 24 min 32 s
